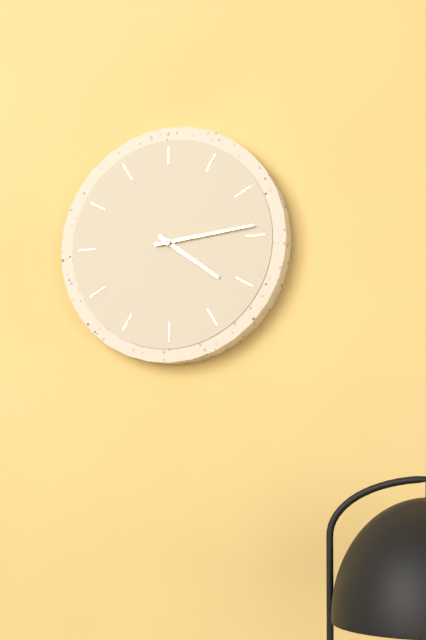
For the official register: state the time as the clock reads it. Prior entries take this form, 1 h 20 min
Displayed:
4 h 14 min
